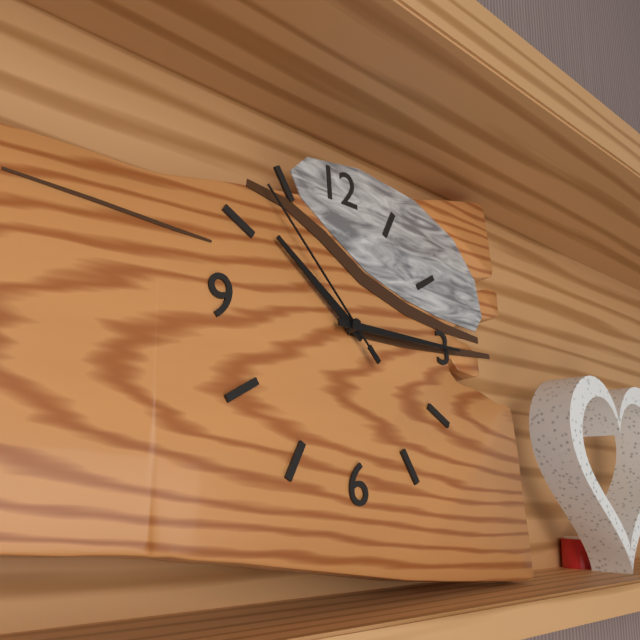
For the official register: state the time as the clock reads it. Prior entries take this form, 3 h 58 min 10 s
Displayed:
10 h 15 min 53 s
